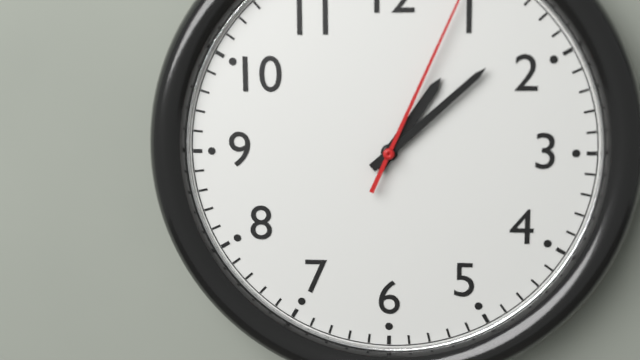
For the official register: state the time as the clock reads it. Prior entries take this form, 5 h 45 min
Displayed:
1 h 08 min
